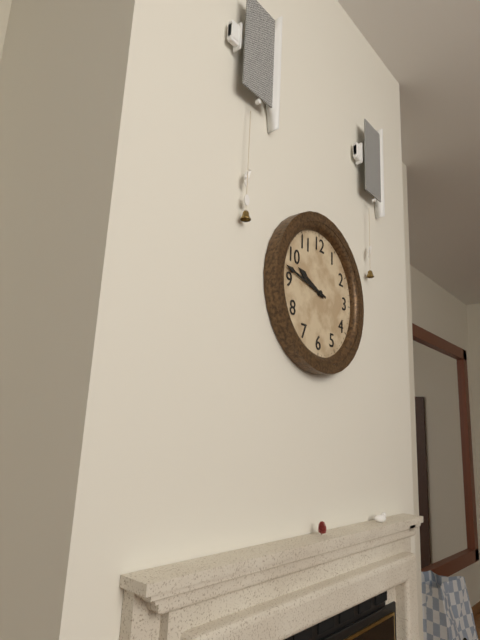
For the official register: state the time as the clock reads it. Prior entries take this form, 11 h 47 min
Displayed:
9 h 47 min
